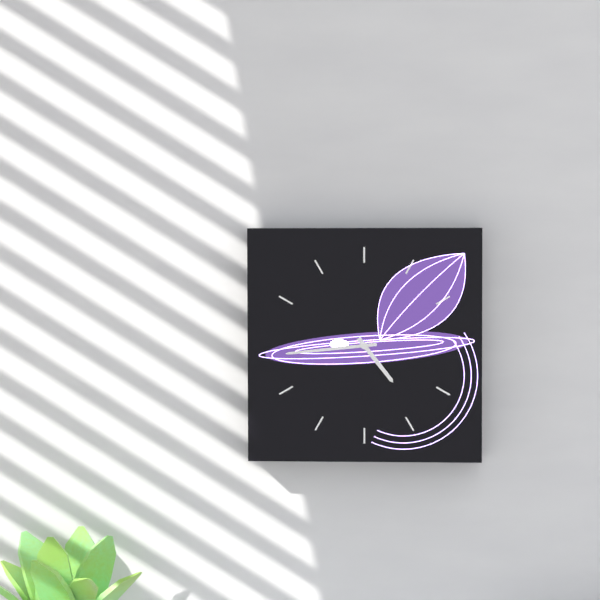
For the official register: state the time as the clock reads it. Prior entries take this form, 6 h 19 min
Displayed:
4 h 44 min
